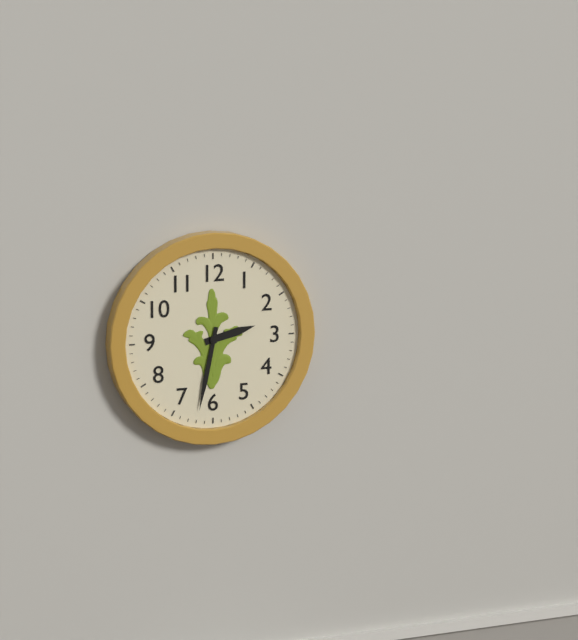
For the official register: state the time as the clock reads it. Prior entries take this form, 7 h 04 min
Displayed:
2 h 32 min
